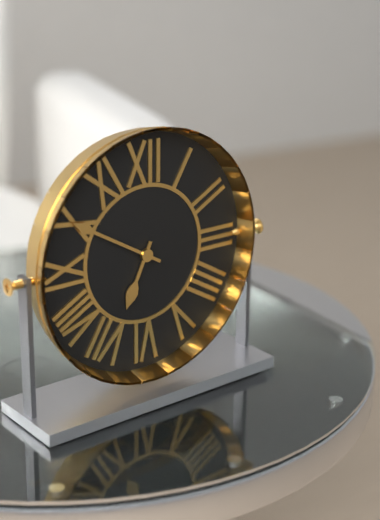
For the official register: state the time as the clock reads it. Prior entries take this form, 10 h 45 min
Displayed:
6 h 50 min
